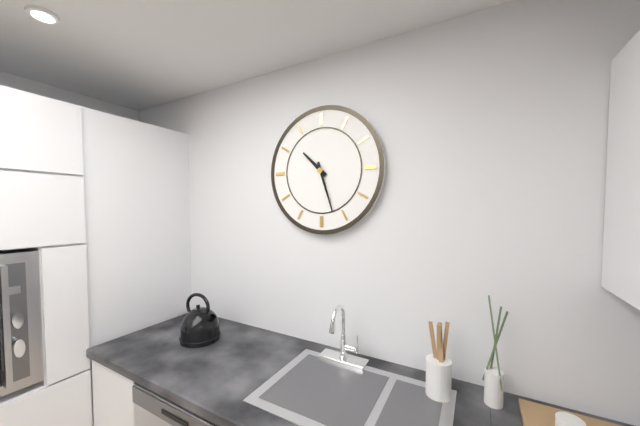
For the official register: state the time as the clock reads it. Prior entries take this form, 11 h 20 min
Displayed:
10 h 27 min
